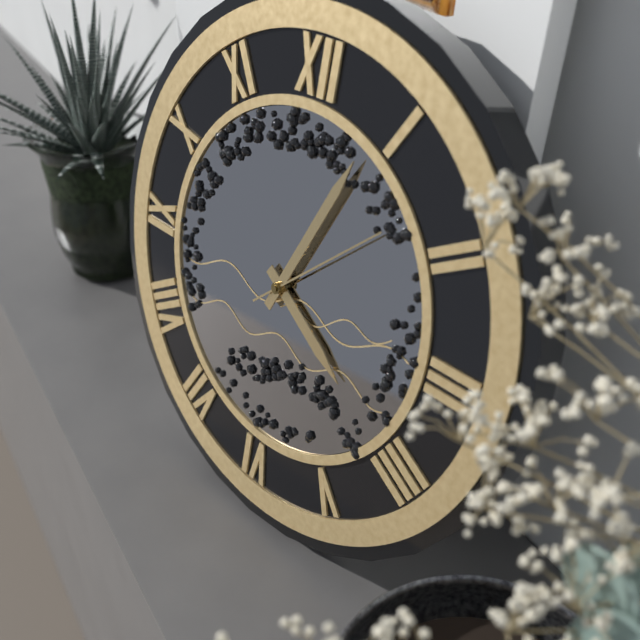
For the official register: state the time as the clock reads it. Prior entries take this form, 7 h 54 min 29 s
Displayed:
4 h 04 min 08 s
